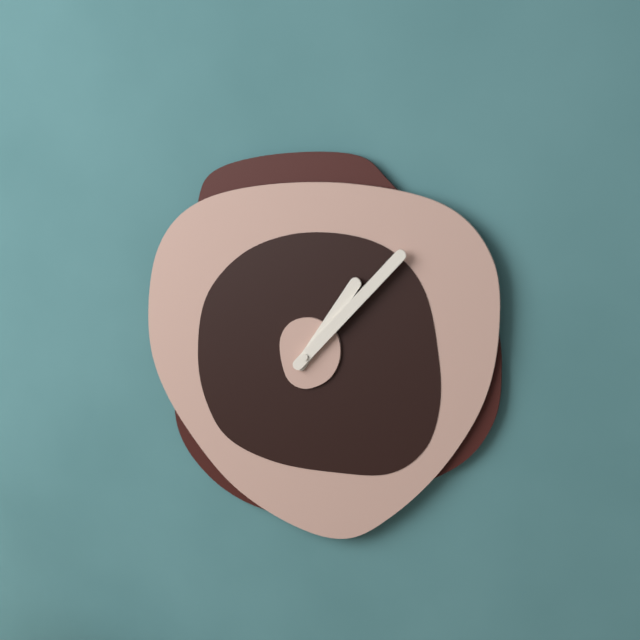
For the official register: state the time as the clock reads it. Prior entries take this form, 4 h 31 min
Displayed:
1 h 07 min
